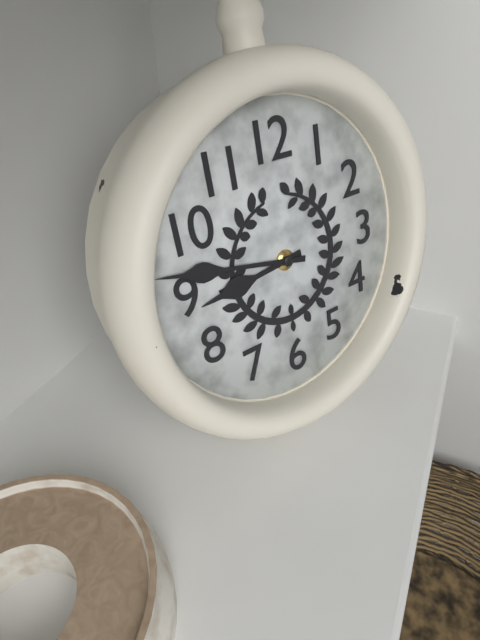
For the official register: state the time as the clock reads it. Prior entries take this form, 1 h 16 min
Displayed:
8 h 47 min
